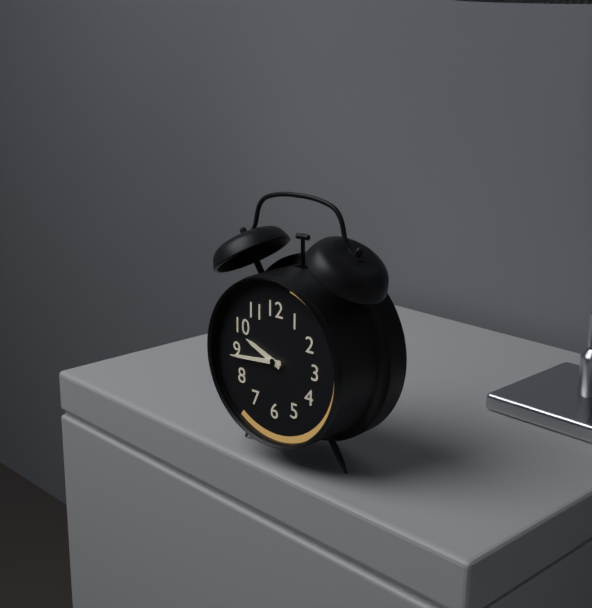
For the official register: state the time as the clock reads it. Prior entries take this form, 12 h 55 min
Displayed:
9 h 44 min
